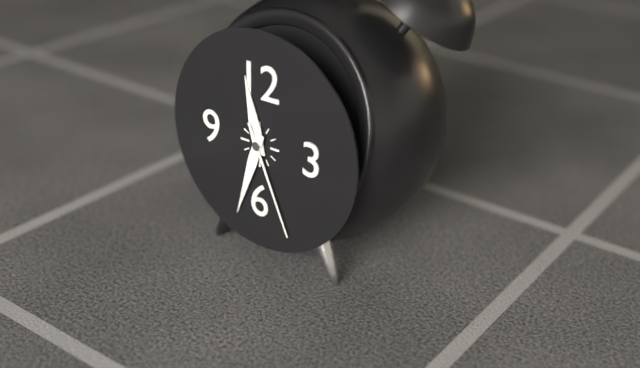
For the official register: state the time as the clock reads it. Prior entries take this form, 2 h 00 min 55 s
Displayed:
11 h 33 min 26 s
